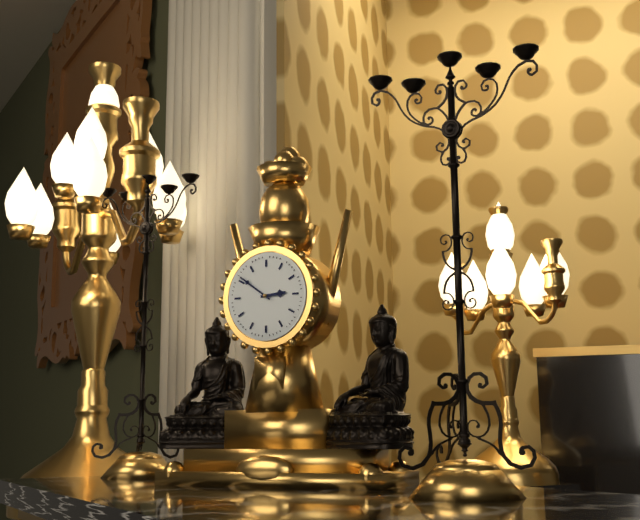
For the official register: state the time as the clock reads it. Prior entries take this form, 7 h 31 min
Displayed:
2 h 51 min
